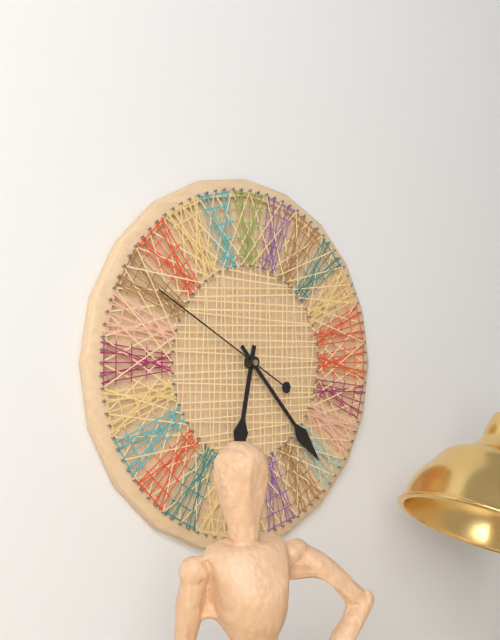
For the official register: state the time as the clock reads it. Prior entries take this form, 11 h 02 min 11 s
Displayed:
6 h 23 min 50 s
